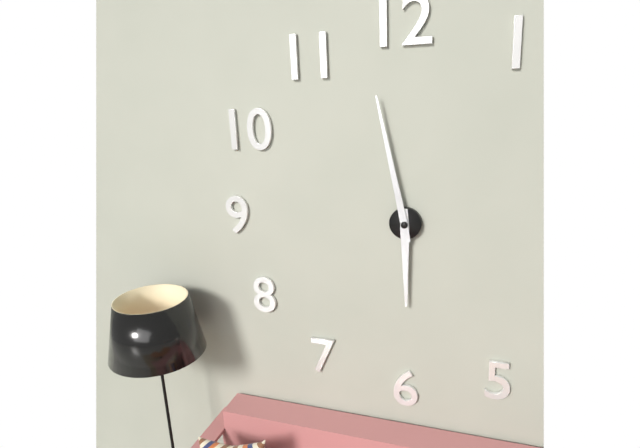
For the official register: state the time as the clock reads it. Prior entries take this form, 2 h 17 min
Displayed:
5 h 58 min
